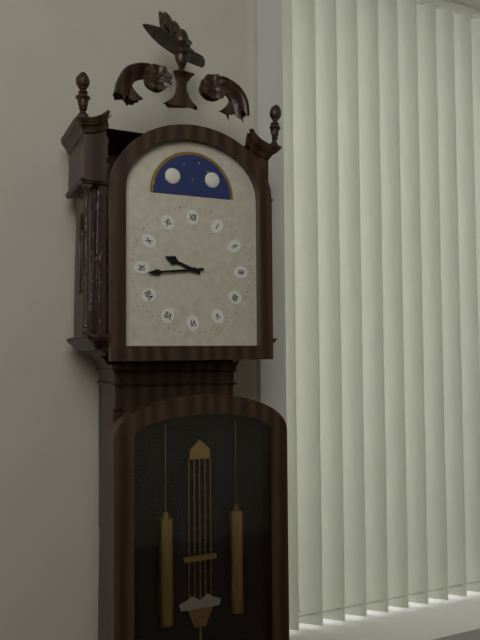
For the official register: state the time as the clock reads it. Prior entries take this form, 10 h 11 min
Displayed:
9 h 44 min
